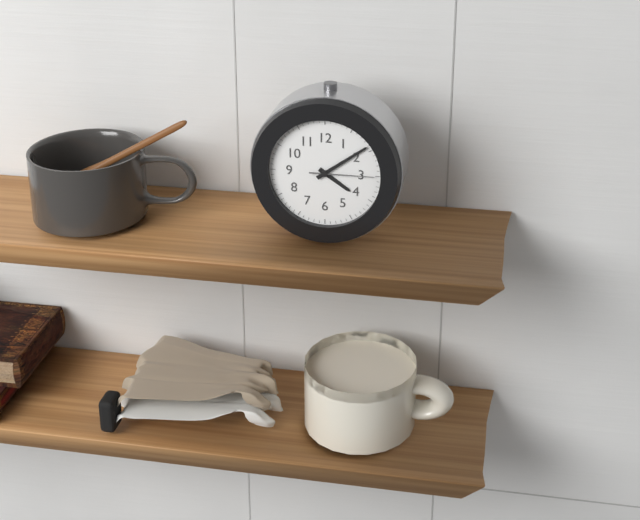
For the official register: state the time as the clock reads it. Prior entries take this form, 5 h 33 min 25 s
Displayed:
4 h 09 min 15 s
